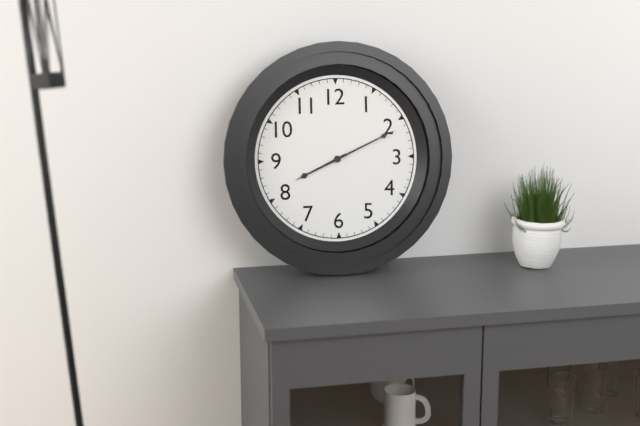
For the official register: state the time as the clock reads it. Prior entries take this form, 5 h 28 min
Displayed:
8 h 11 min
